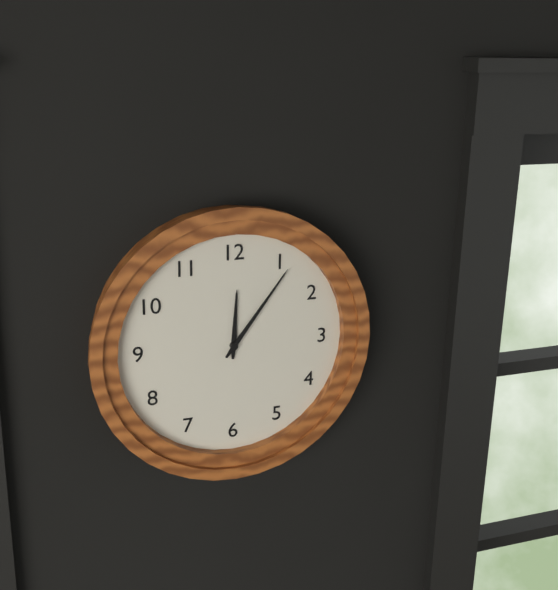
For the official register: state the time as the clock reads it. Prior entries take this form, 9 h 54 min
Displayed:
12 h 06 min
